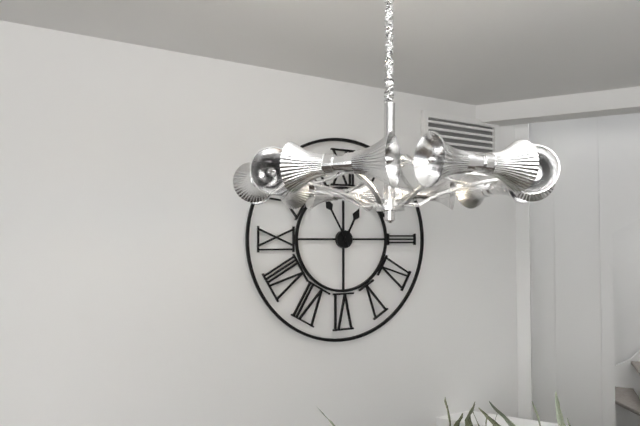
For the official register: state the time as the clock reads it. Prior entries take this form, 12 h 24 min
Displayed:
12 h 55 min
